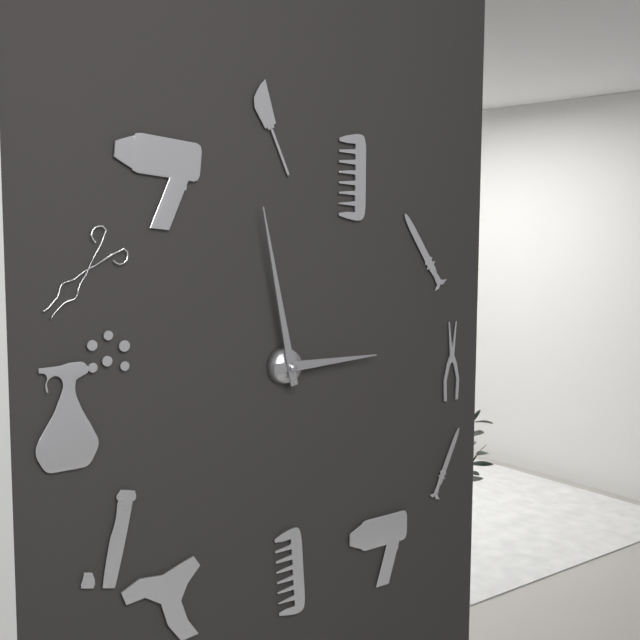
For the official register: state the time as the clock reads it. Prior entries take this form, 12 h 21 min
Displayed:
2 h 58 min
